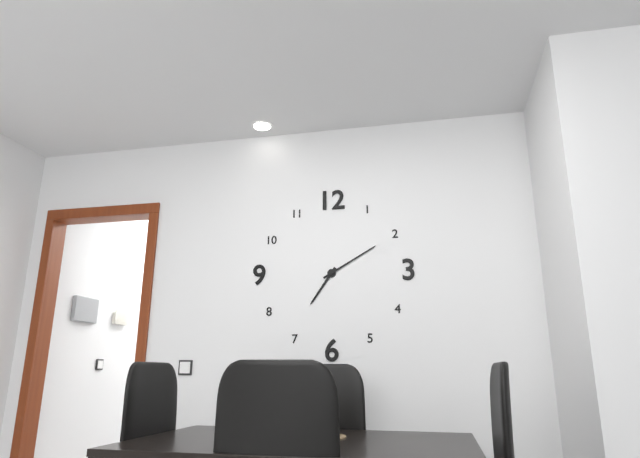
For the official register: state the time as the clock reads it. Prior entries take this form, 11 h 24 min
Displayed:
7 h 10 min
